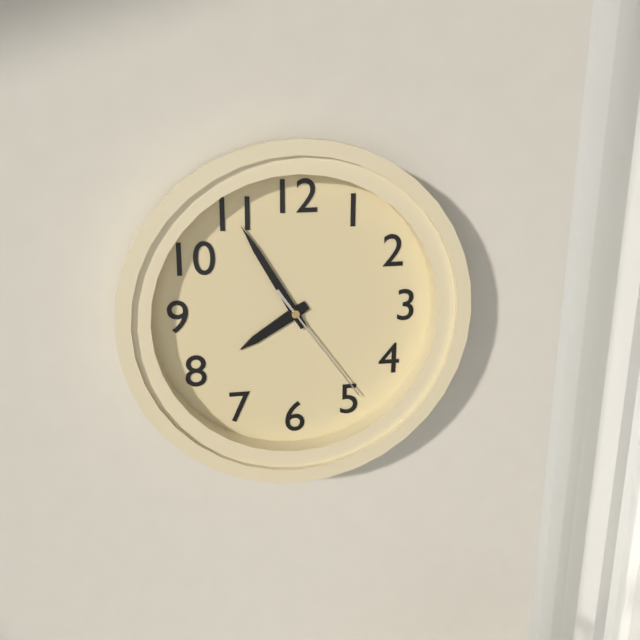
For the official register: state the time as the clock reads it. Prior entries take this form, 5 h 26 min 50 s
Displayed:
7 h 55 min 24 s
